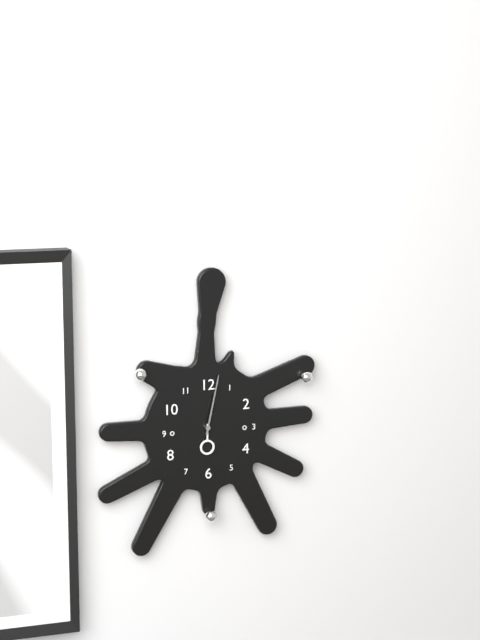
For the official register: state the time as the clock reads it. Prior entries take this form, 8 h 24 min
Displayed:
6 h 02 min
